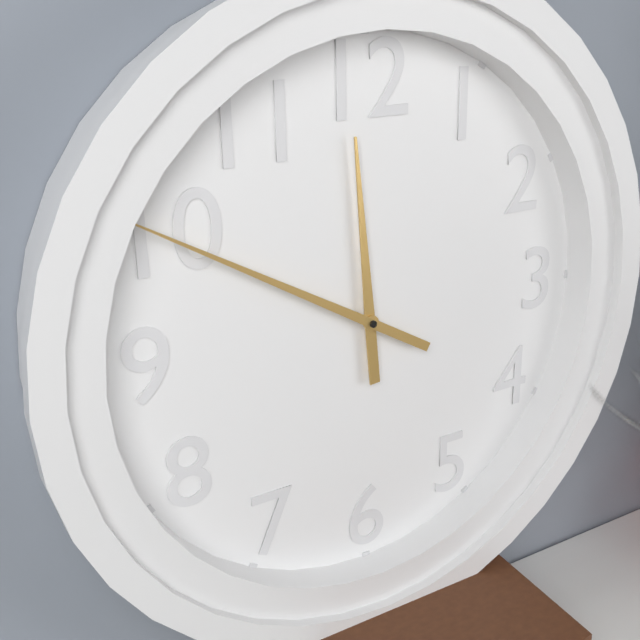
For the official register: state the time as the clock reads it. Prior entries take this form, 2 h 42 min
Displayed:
11 h 50 min
